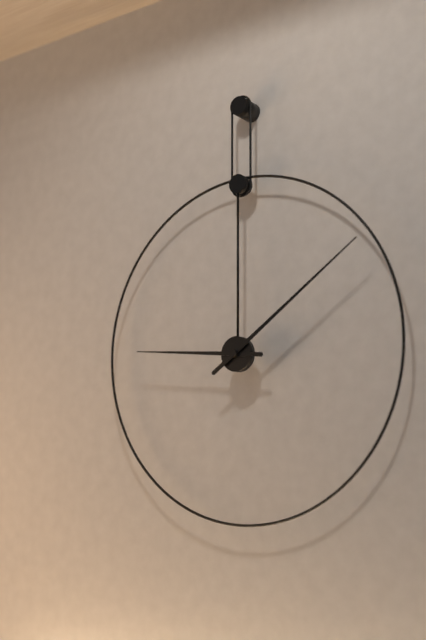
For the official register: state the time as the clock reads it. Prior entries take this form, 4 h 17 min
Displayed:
9 h 09 min
